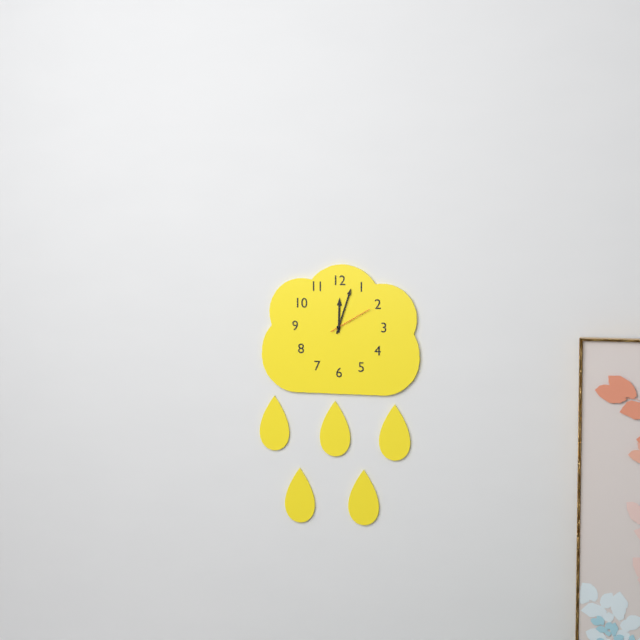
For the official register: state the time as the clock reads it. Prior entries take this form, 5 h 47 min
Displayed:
12 h 03 min
